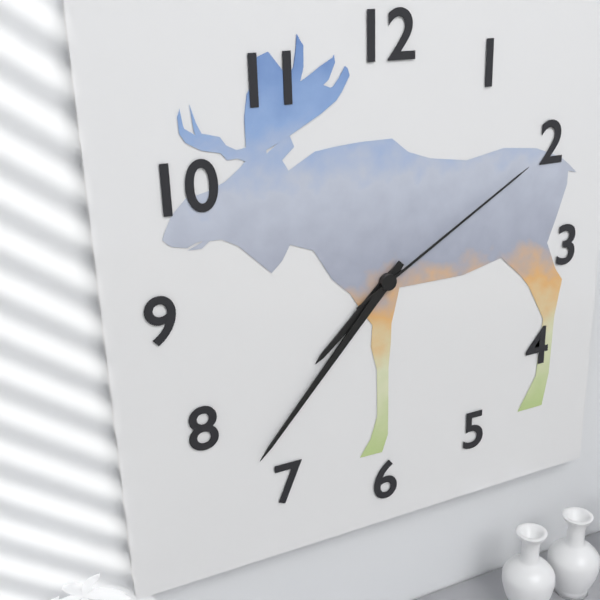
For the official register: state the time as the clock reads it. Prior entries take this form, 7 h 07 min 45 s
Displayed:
7 h 37 min 10 s
